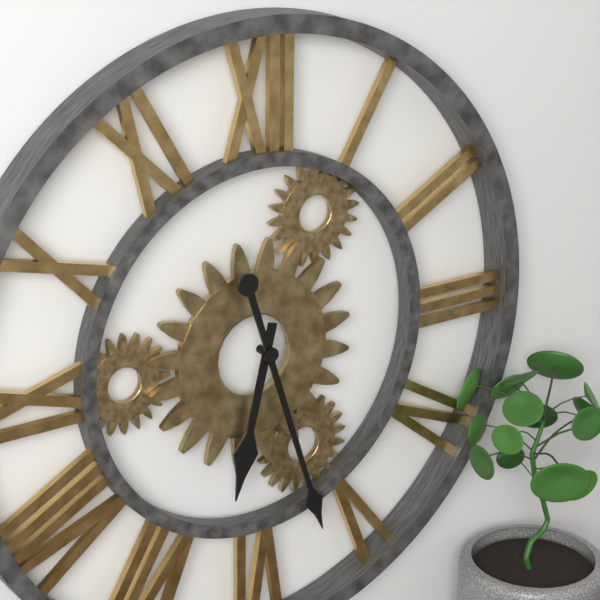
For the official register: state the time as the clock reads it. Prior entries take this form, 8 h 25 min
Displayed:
6 h 27 min
